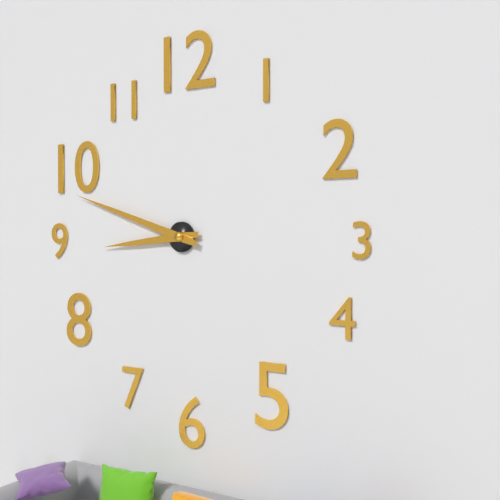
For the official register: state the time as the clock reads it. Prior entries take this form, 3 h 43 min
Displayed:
8 h 48 min
